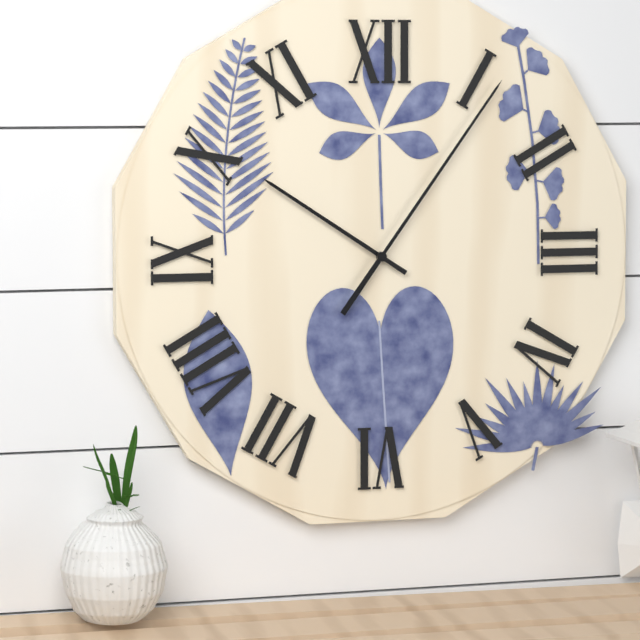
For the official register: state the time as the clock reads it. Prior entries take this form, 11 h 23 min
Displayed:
10 h 06 min
